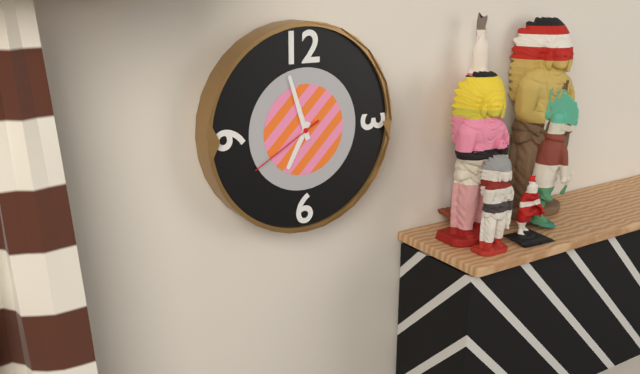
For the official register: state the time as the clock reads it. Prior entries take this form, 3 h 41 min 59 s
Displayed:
6 h 57 min 40 s
